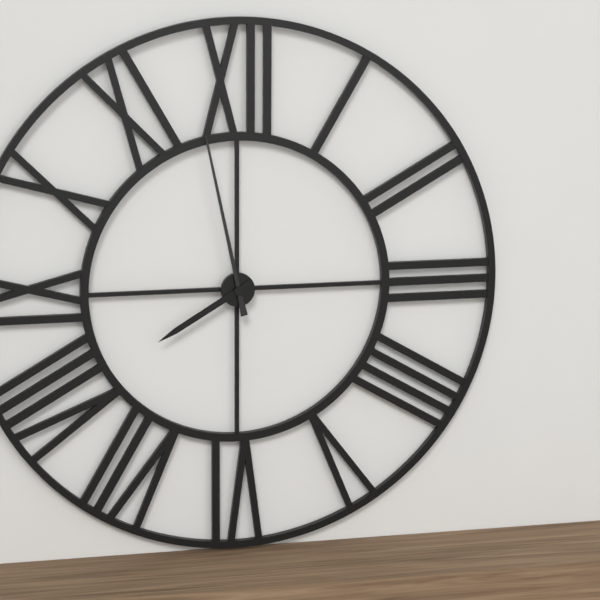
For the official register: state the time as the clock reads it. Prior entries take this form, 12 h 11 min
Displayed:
7 h 58 min
